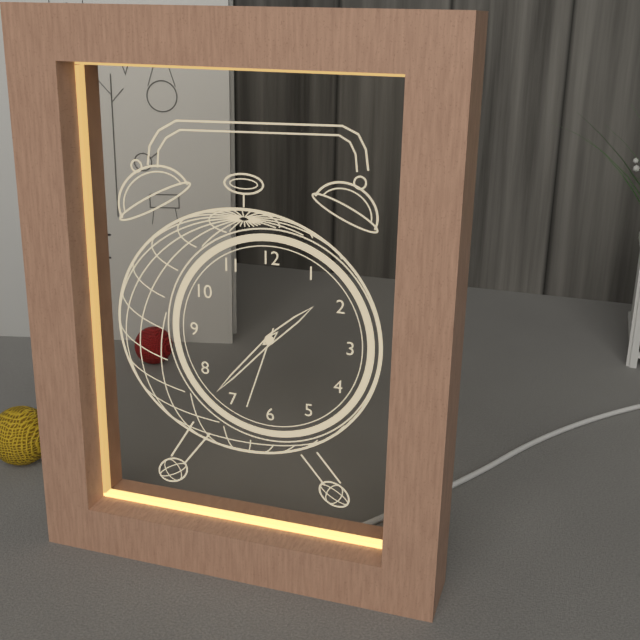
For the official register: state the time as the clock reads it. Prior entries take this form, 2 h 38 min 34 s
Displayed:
1 h 37 min 33 s
